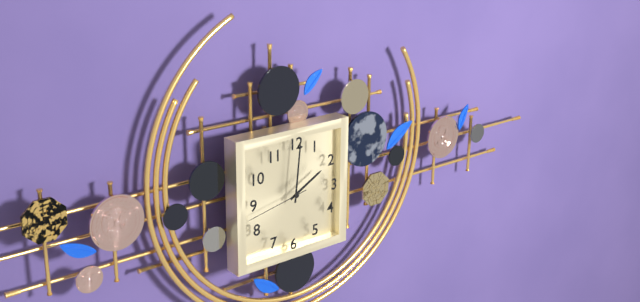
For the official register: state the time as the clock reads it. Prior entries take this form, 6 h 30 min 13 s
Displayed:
2 h 01 min 43 s
